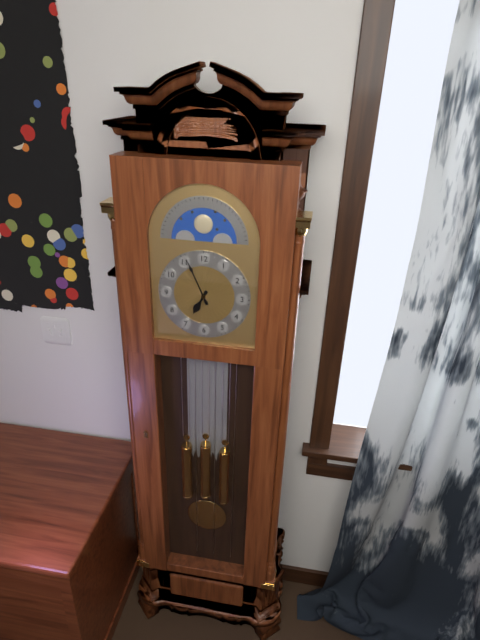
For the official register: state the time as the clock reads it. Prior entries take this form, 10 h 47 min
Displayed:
6 h 56 min
